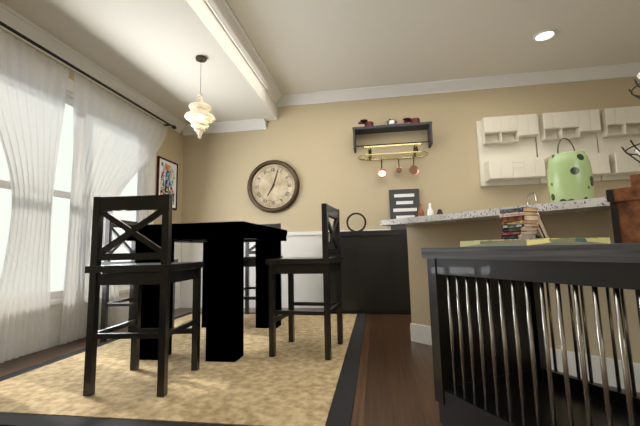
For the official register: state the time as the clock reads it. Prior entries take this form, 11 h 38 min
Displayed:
7 h 03 min
